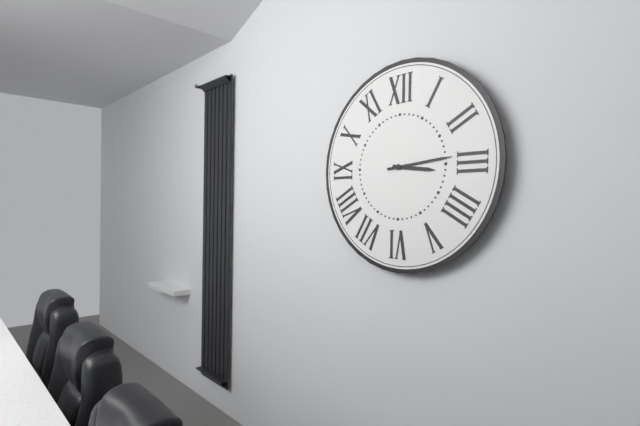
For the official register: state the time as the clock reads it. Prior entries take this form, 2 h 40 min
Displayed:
3 h 14 min
